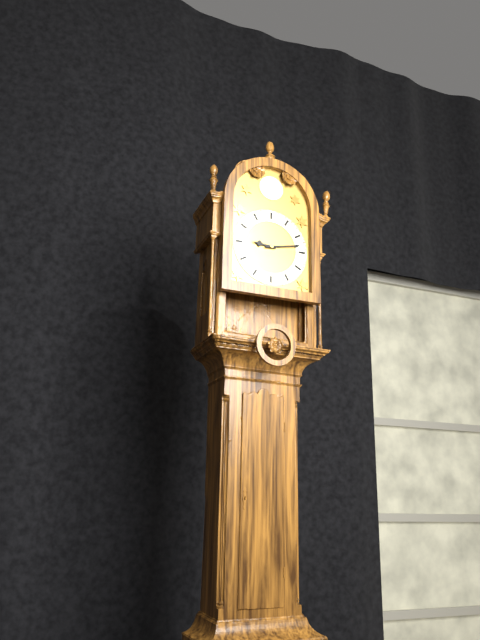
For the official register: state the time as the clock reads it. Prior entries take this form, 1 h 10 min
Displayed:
9 h 13 min
